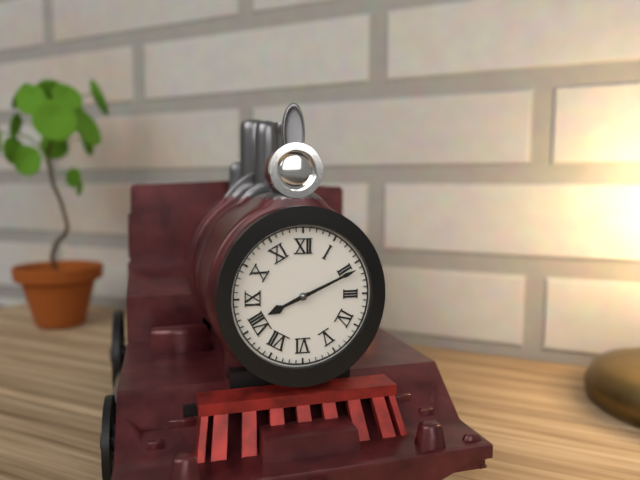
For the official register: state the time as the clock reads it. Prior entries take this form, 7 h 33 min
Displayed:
8 h 11 min
